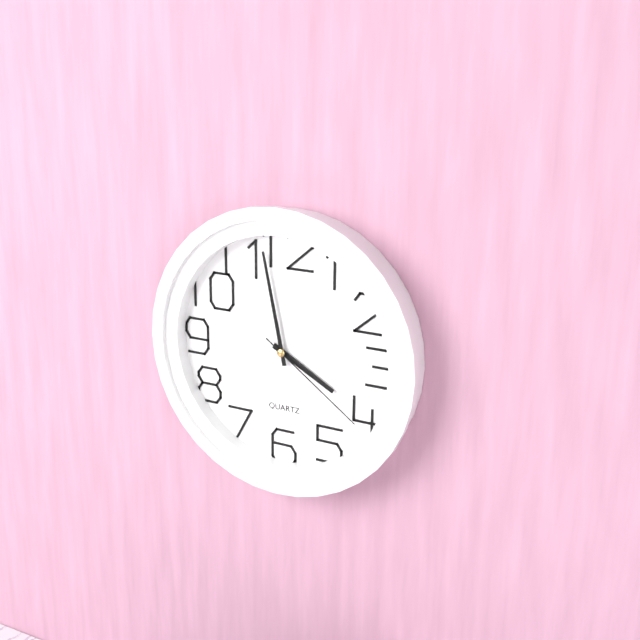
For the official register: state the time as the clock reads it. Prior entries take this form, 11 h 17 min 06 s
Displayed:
3 h 58 min 21 s
